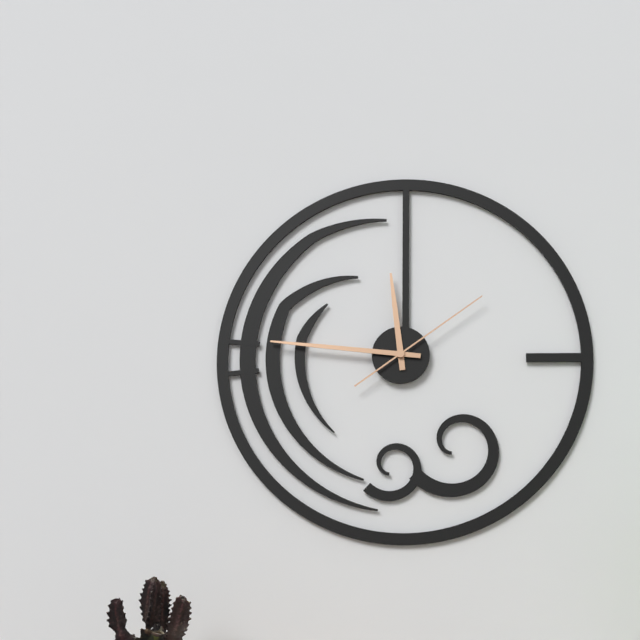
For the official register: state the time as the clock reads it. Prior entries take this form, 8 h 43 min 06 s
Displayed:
11 h 46 min 09 s
